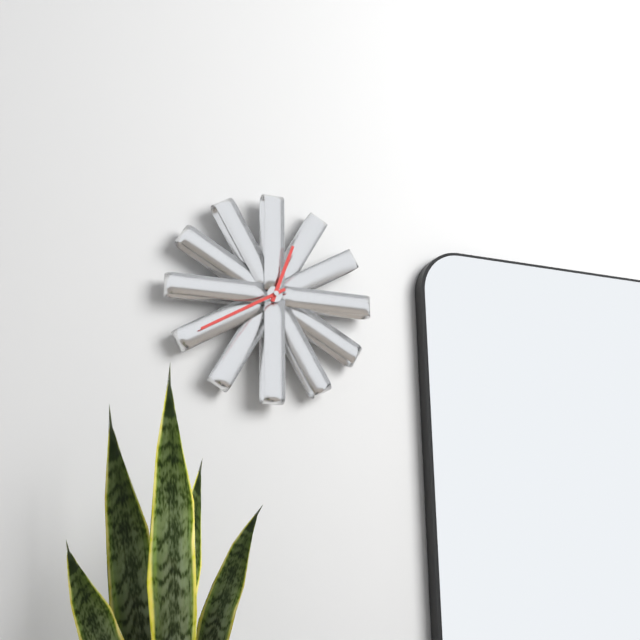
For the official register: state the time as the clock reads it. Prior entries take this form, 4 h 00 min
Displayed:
12 h 40 min
